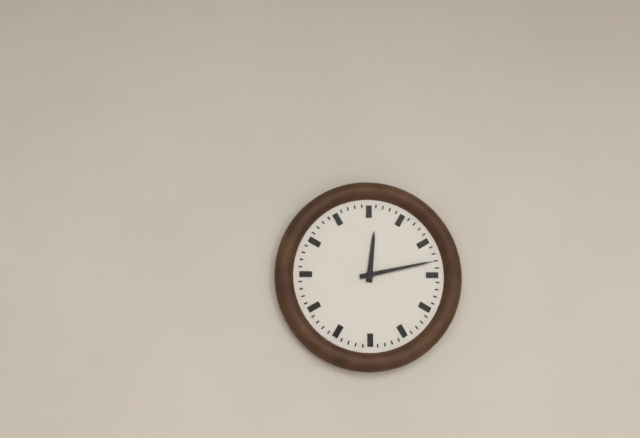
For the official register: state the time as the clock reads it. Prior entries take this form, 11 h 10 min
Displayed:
12 h 13 min
